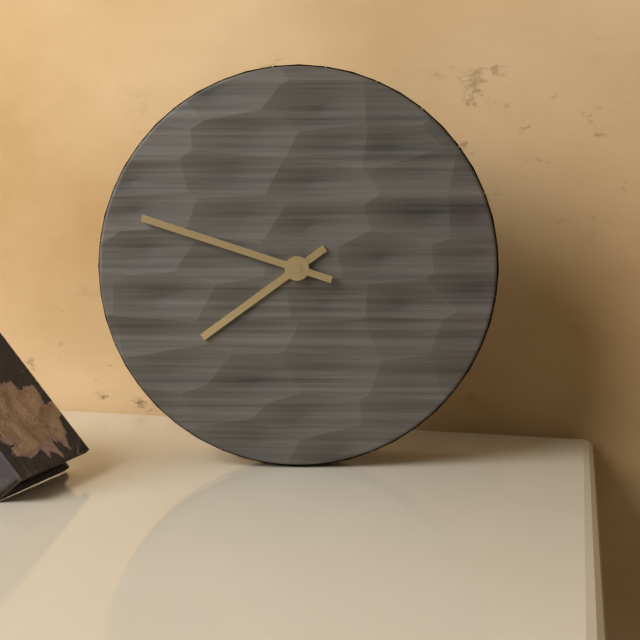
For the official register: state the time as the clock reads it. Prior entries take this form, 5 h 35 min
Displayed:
7 h 48 min
